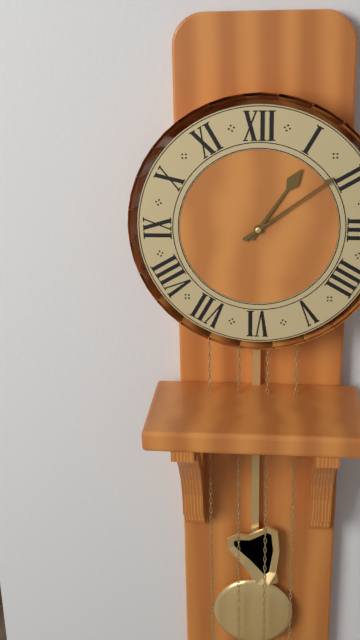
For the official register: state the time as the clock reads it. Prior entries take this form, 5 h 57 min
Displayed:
1 h 09 min
